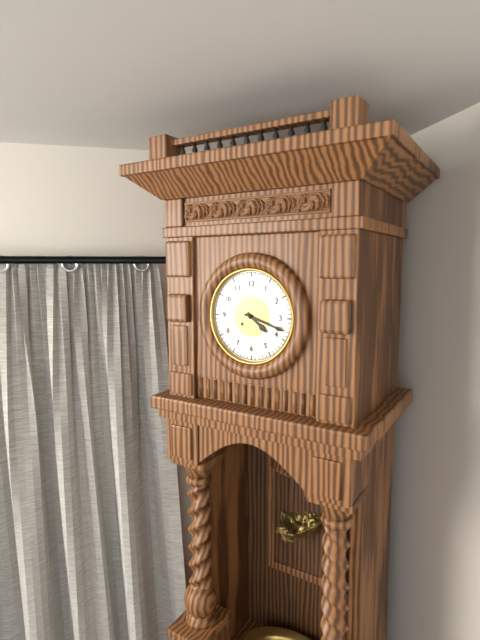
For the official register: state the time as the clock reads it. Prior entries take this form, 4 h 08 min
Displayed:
4 h 18 min
